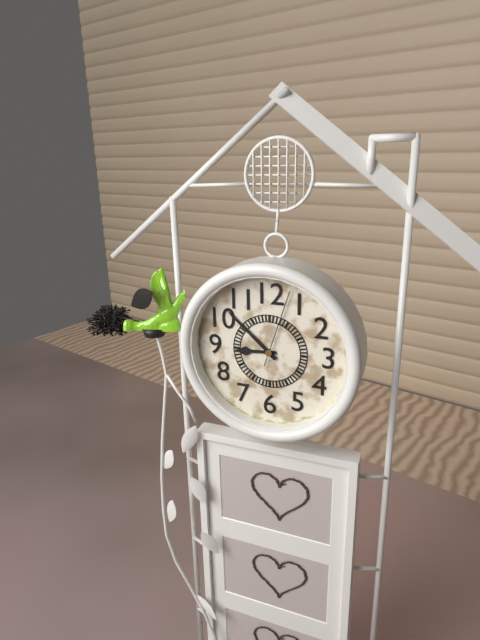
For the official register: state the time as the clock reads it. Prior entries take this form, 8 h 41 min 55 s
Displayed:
8 h 52 min 03 s
